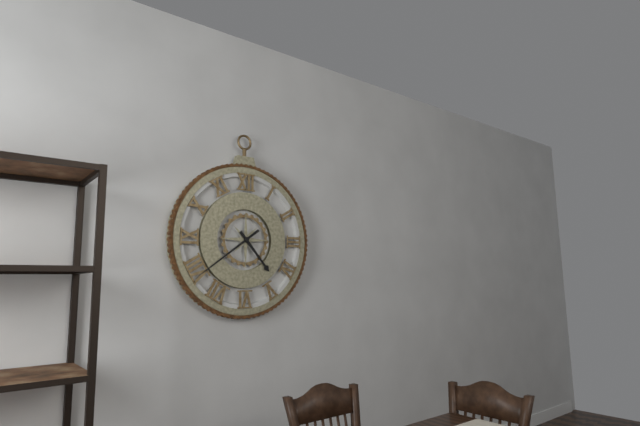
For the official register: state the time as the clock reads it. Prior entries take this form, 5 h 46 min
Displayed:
4 h 39 min
